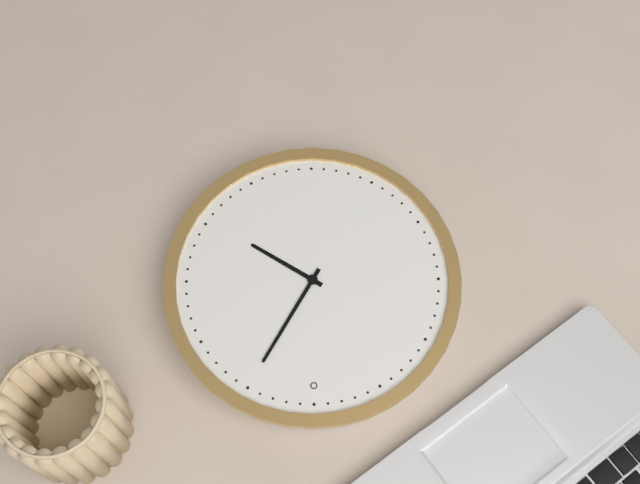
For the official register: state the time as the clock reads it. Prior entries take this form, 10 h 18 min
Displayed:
4 h 05 min
